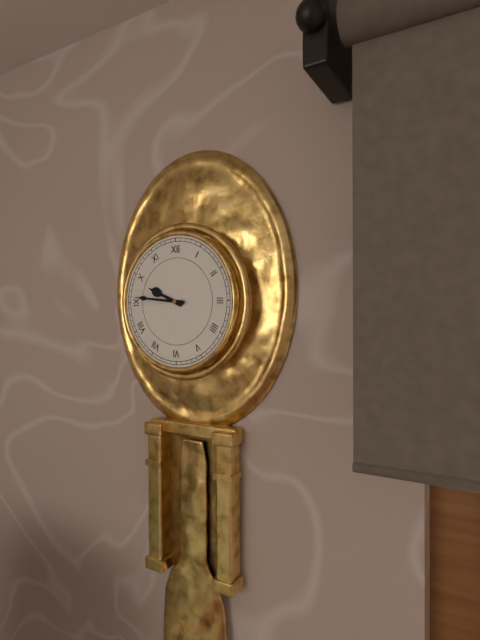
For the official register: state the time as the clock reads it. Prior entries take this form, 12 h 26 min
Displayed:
9 h 46 min
